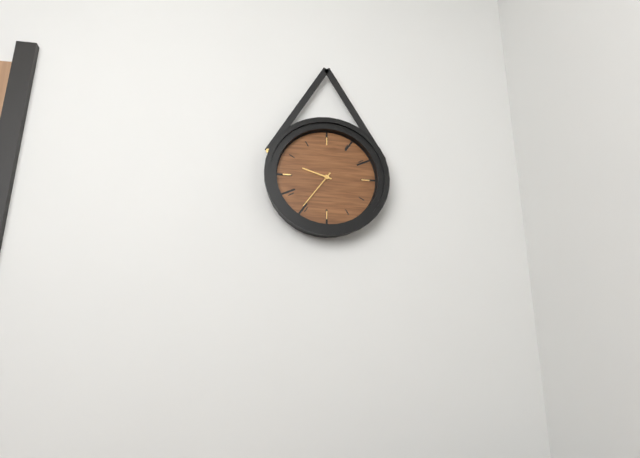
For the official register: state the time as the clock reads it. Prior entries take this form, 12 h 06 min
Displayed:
9 h 36 min
